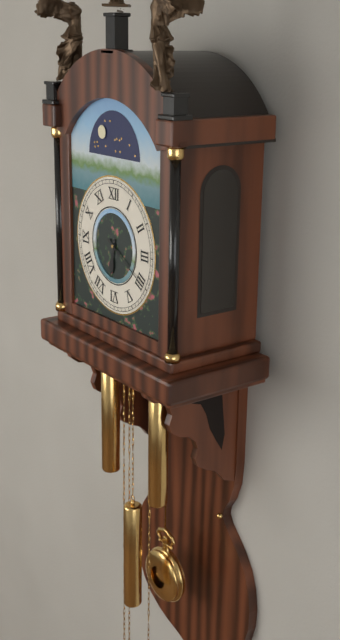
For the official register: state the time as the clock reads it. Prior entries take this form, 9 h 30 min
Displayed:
6 h 20 min
